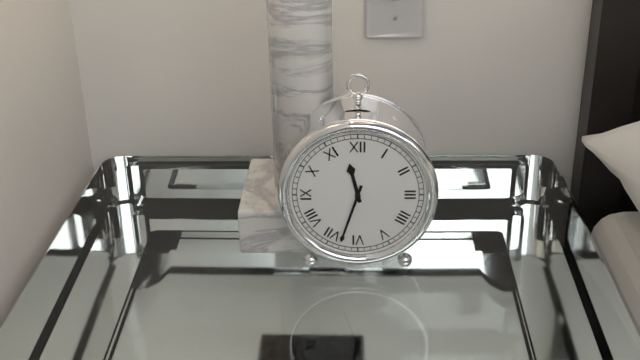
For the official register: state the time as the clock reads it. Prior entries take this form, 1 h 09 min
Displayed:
11 h 33 min
